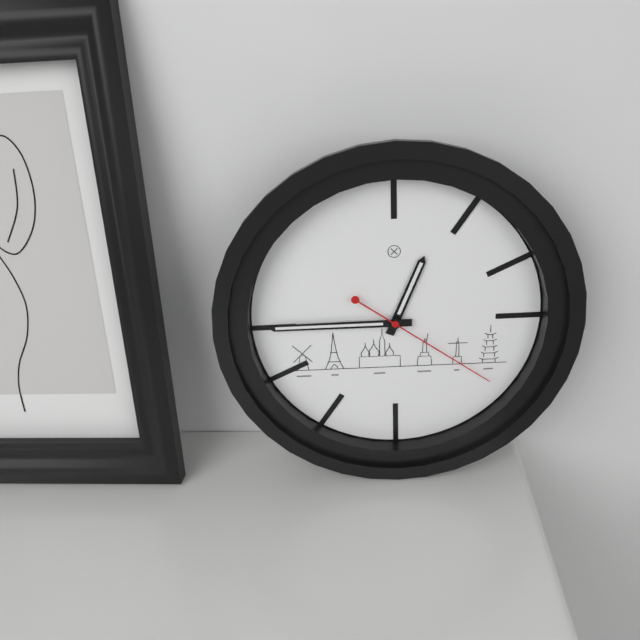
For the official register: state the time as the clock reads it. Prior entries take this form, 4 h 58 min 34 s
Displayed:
12 h 45 min 21 s
